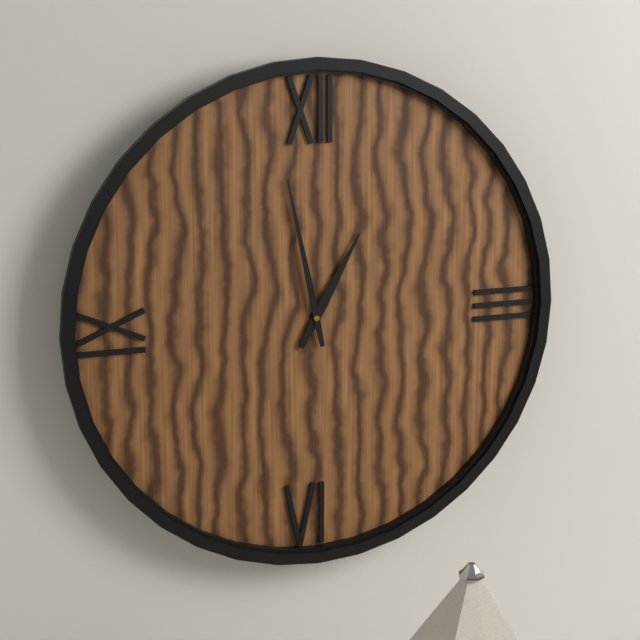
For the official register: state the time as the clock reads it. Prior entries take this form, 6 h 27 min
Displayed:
12 h 58 min
